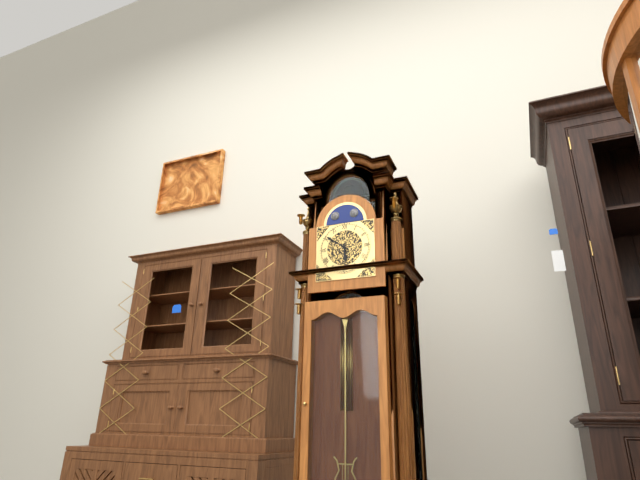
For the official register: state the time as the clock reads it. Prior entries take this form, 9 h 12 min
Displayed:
5 h 51 min
